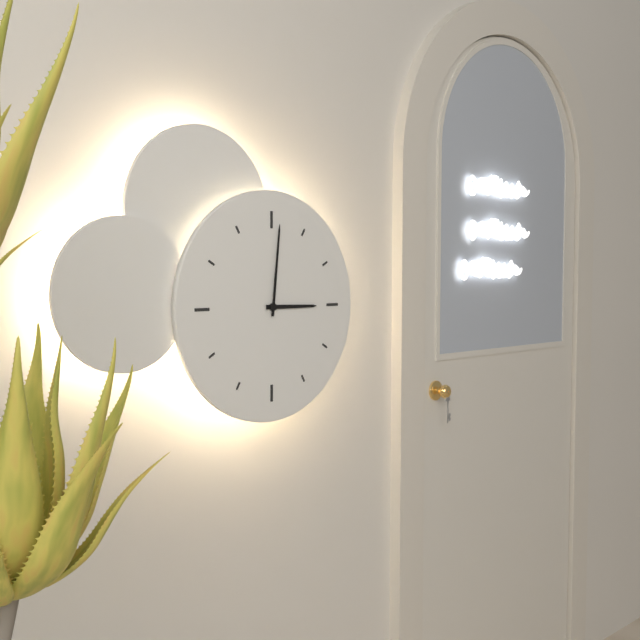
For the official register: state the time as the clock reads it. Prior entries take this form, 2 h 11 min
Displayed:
3 h 01 min
